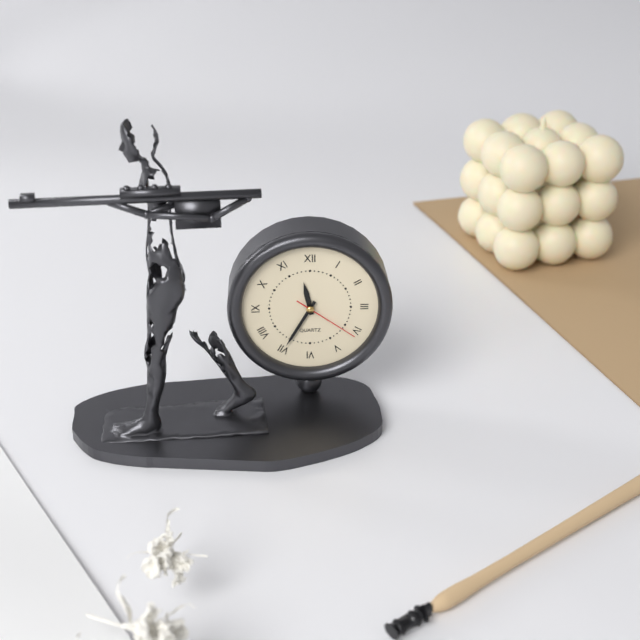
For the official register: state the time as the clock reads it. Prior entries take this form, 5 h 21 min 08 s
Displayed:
11 h 35 min 21 s
